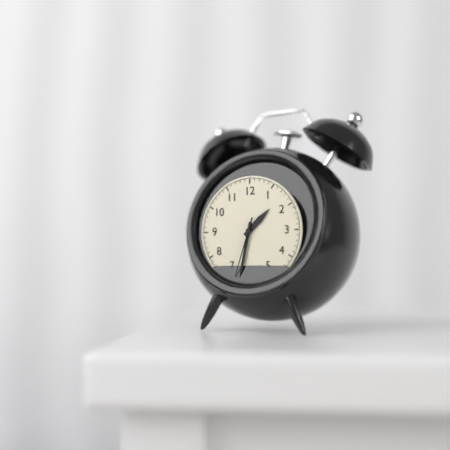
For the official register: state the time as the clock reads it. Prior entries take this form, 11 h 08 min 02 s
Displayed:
1 h 32 min 33 s
